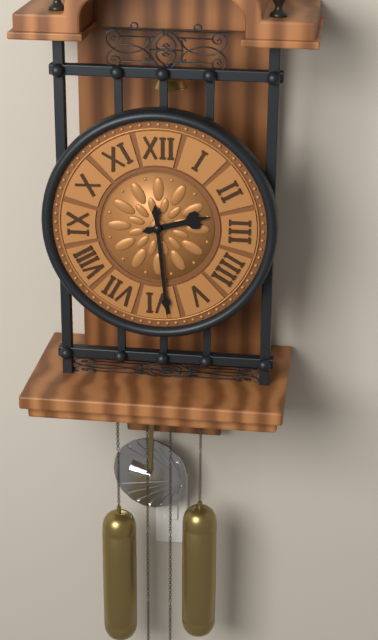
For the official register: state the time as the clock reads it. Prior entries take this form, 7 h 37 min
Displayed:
2 h 29 min
